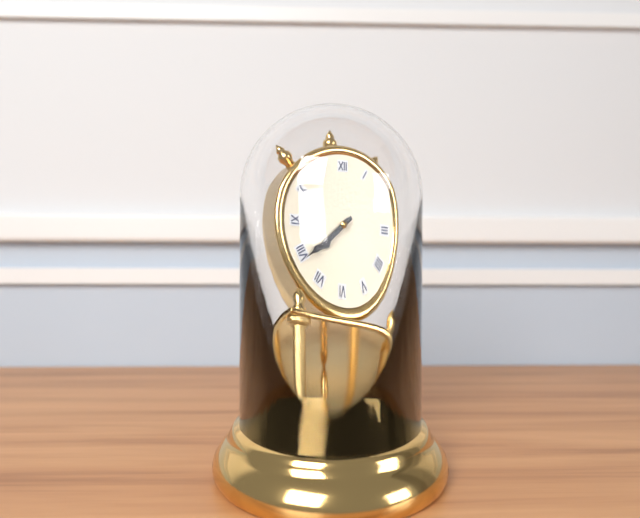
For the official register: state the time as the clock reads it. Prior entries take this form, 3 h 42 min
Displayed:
7 h 39 min
